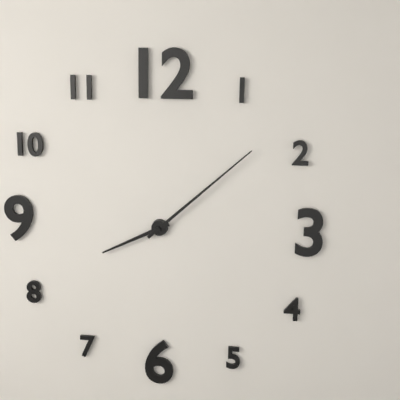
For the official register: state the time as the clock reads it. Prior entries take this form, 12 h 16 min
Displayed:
8 h 08 min
